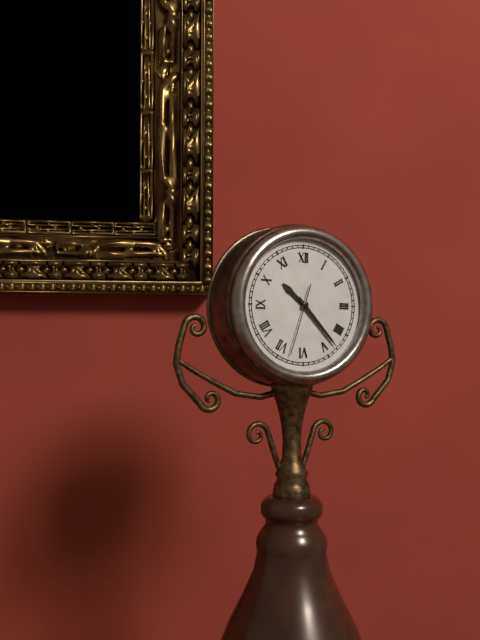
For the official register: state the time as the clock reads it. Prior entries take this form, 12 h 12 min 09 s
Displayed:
10 h 23 min 33 s
